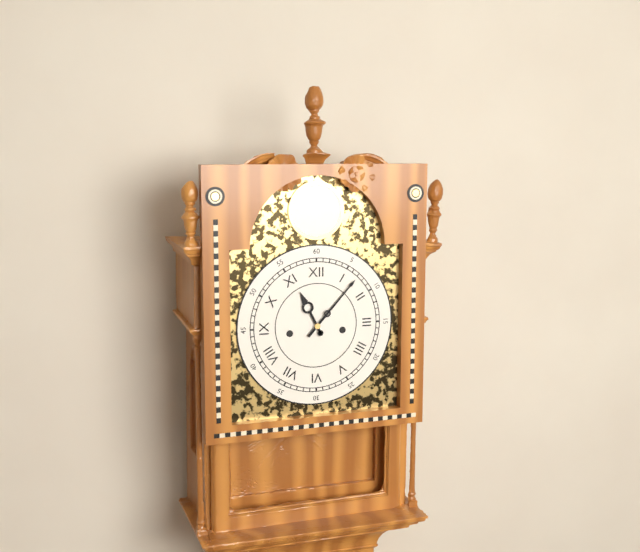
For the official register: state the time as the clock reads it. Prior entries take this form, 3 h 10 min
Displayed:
11 h 07 min
